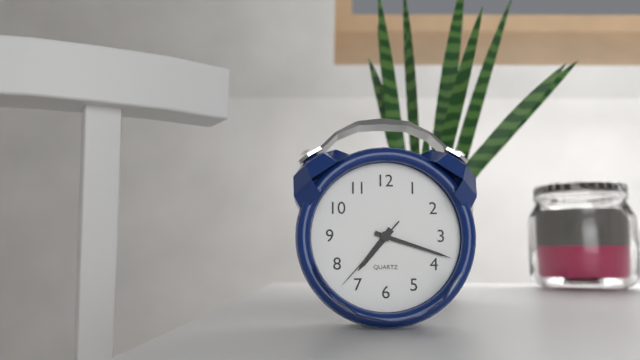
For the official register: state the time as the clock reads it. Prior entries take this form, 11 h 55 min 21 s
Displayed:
7 h 18 min 37 s
